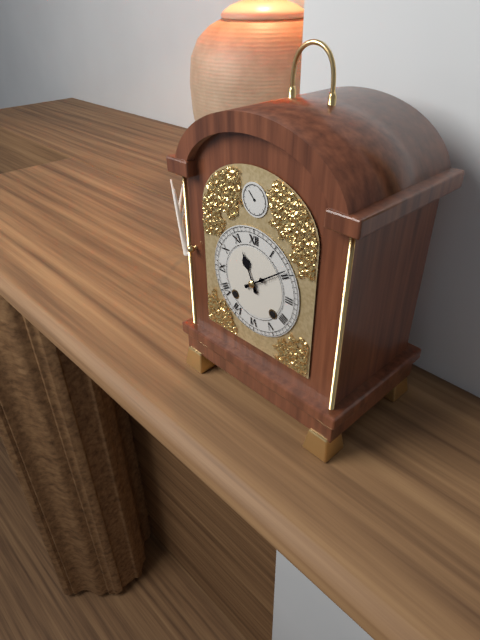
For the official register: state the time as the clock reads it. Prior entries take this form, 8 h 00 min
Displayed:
11 h 09 min
